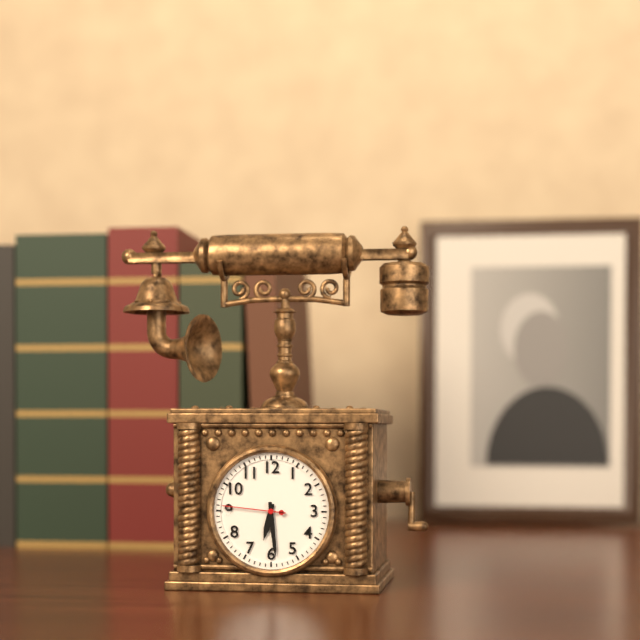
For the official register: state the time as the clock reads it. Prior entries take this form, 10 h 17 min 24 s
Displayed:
6 h 29 min 46 s
